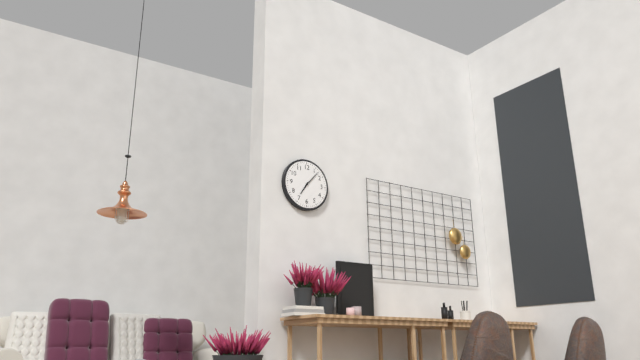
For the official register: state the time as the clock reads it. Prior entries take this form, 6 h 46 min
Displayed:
7 h 07 min
